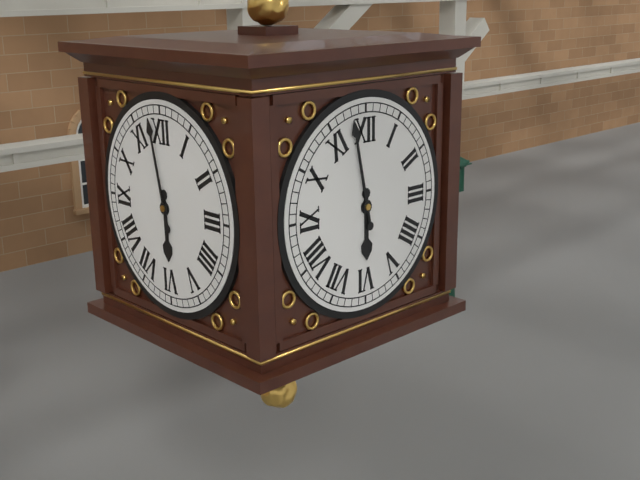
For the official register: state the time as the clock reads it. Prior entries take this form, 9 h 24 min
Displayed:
5 h 58 min
